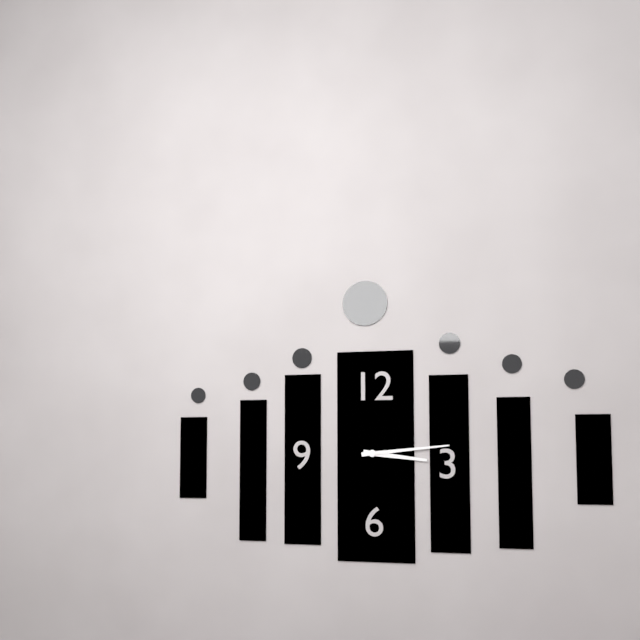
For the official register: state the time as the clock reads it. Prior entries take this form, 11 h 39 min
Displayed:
3 h 14 min
